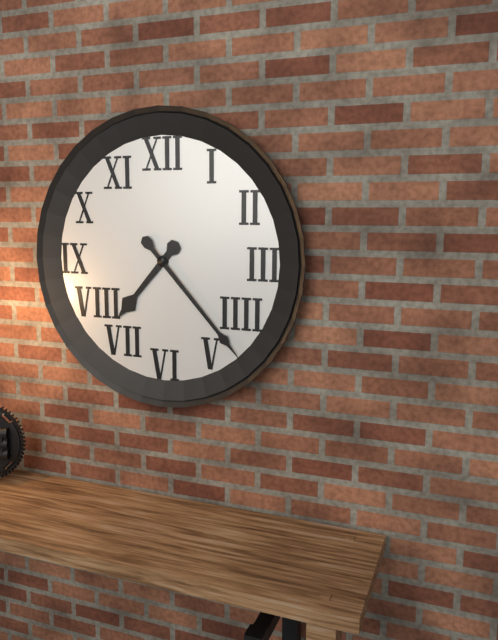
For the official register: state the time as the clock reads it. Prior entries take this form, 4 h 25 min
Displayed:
7 h 23 min
